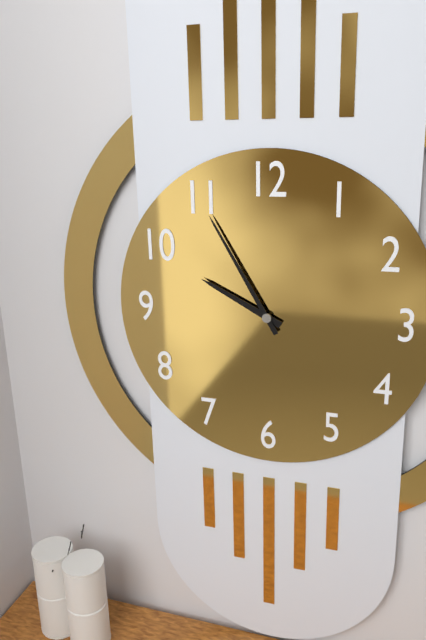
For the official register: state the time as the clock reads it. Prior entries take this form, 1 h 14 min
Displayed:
9 h 55 min
